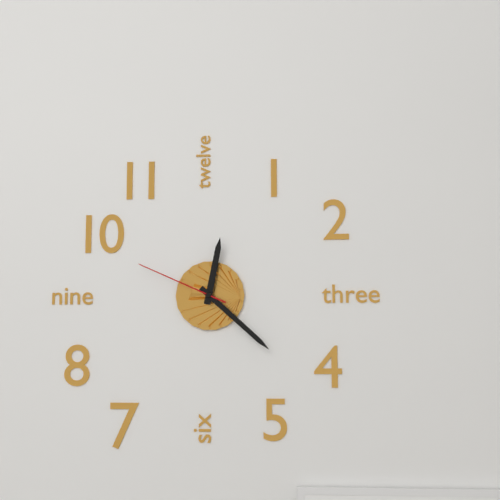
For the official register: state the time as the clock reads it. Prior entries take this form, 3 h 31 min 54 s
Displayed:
12 h 22 min 49 s
